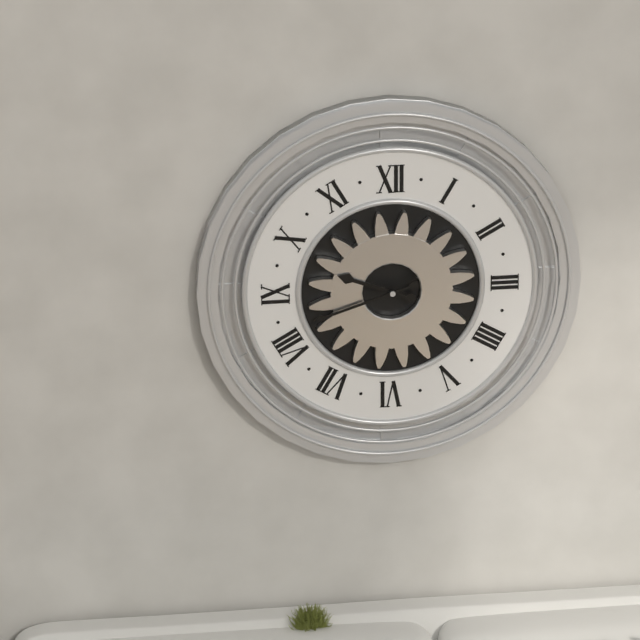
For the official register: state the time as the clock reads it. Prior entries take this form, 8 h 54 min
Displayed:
9 h 42 min
